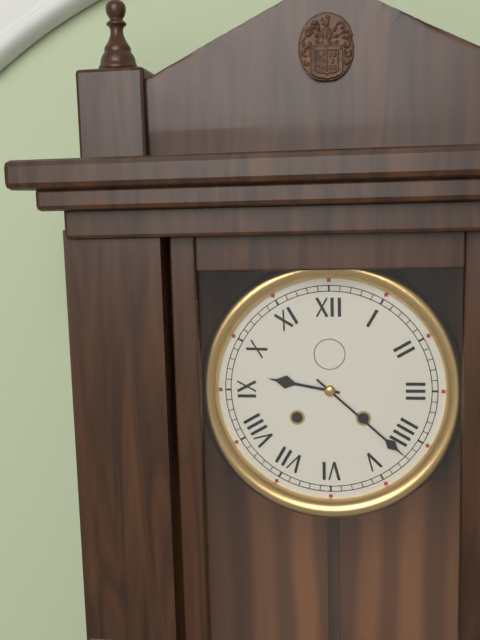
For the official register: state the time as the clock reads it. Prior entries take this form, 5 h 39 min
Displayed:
9 h 22 min
